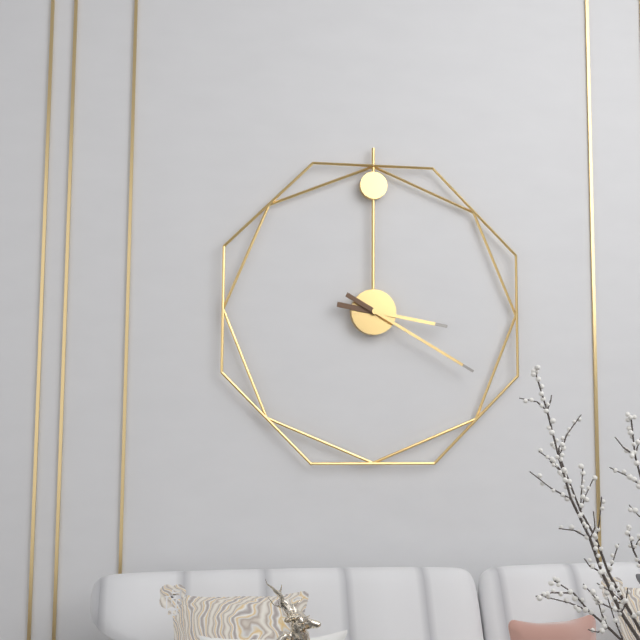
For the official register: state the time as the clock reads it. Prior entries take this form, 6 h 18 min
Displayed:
3 h 20 min
